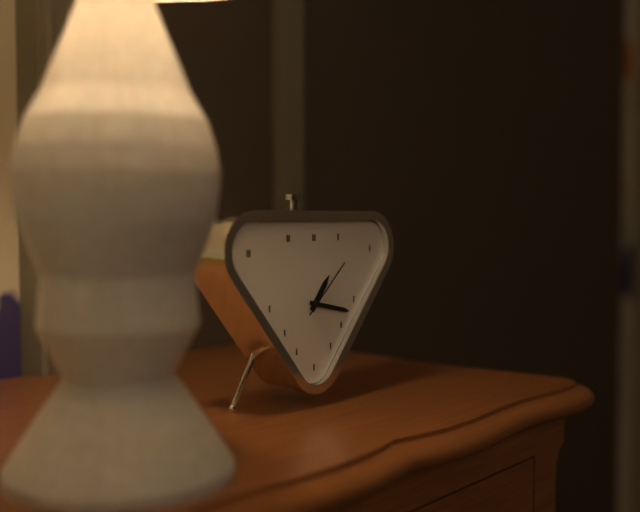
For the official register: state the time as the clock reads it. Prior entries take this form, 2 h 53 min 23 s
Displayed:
1 h 17 min 08 s
